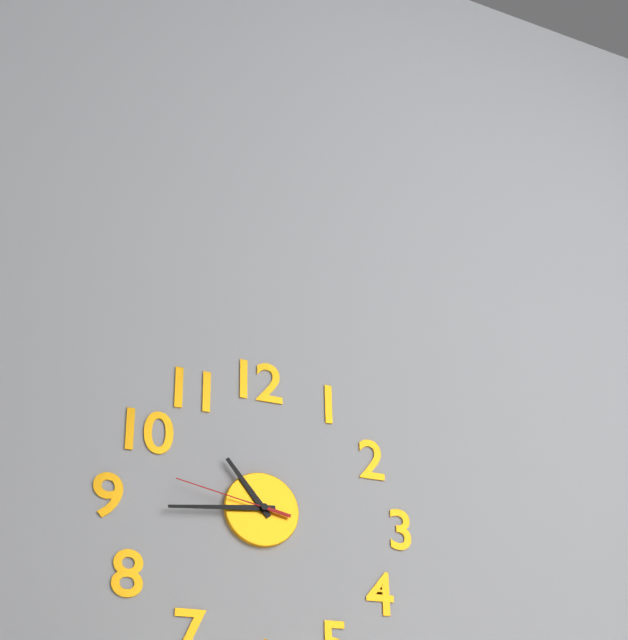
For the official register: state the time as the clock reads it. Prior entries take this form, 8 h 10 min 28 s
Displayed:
10 h 44 min 47 s
